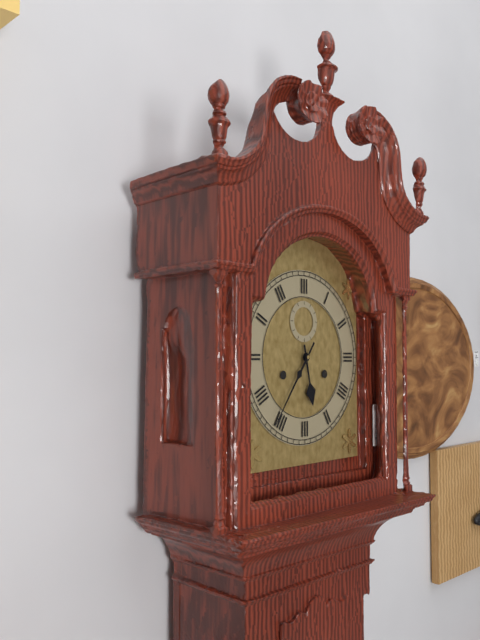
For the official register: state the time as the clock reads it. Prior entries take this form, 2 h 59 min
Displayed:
5 h 36 min
